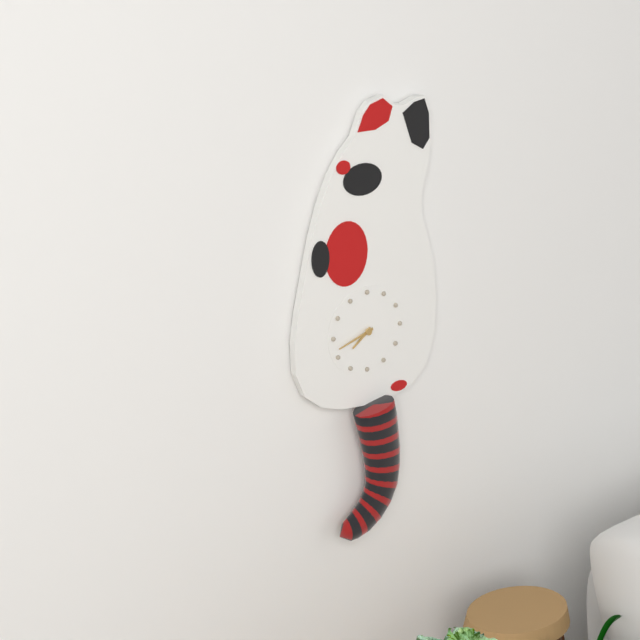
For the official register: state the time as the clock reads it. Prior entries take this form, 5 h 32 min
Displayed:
7 h 42 min
